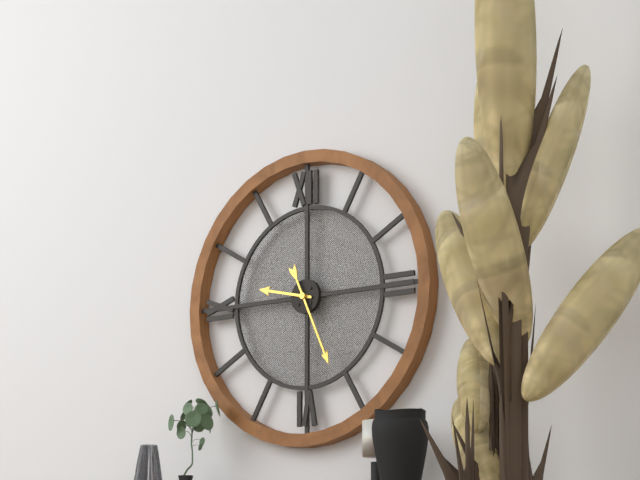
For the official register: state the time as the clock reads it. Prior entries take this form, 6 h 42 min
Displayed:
9 h 26 min
